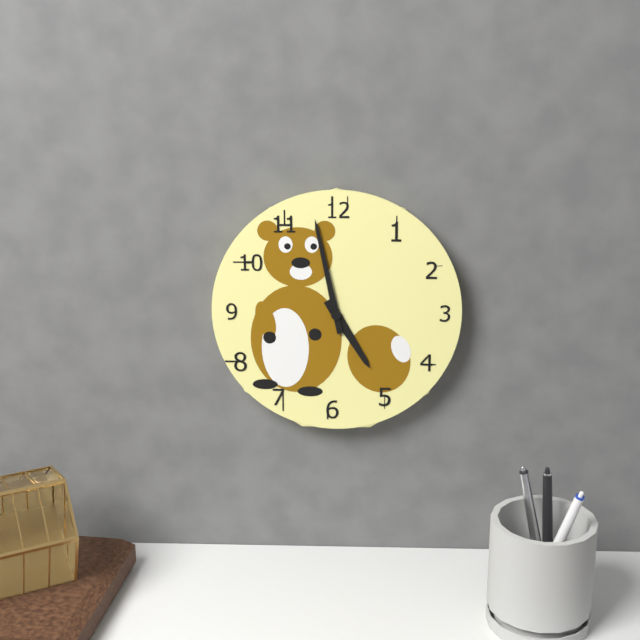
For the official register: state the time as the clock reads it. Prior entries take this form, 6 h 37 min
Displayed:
4 h 58 min
